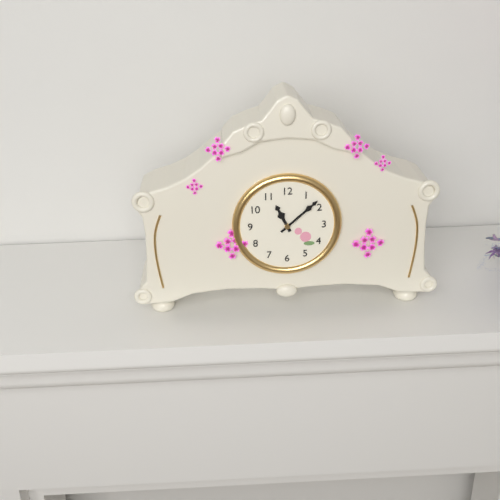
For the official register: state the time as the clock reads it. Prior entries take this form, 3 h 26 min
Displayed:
11 h 08 min
